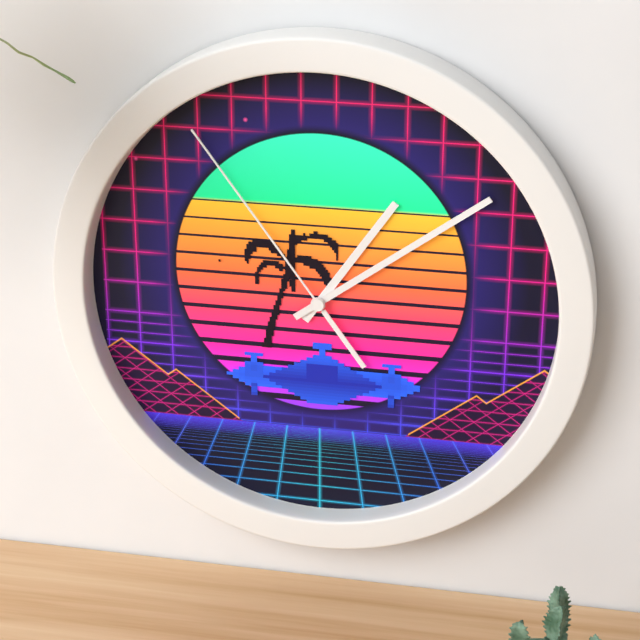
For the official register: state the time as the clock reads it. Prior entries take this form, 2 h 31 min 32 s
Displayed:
1 h 09 min 54 s
